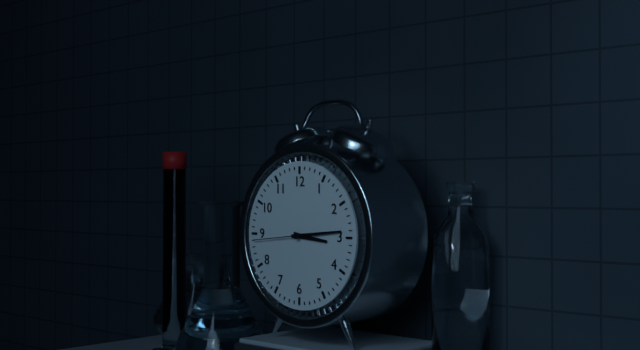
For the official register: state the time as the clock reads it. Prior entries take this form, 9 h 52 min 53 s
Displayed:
3 h 14 min 44 s
